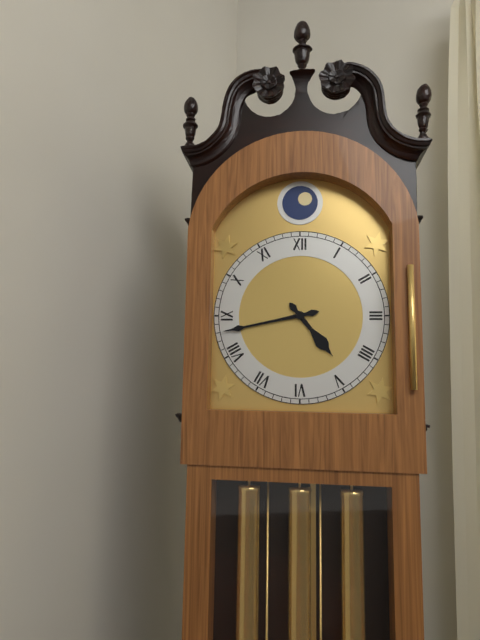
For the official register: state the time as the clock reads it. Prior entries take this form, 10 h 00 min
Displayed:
4 h 43 min
